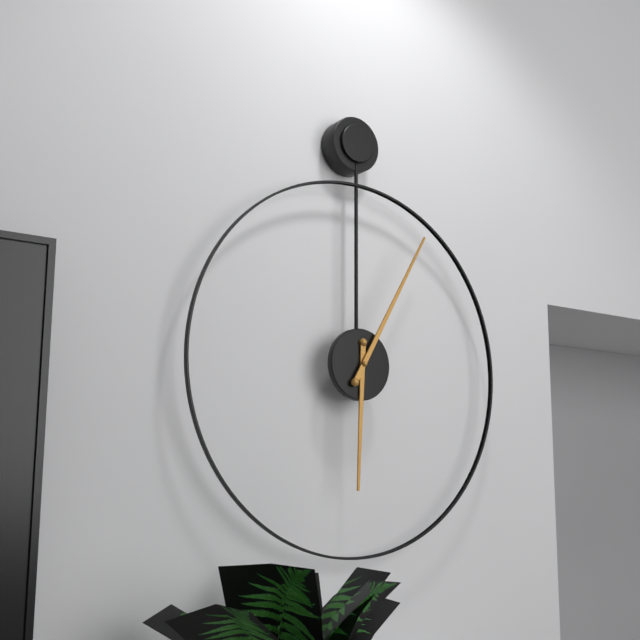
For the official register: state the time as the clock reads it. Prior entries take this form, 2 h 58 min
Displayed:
6 h 05 min
